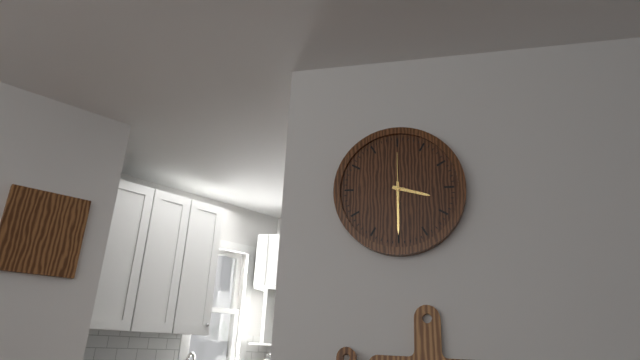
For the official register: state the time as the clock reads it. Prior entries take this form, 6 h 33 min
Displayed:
3 h 30 min
